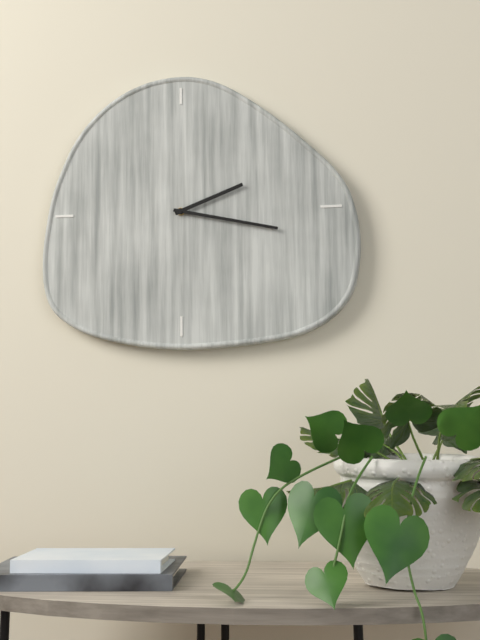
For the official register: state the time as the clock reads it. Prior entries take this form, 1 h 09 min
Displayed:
2 h 17 min
